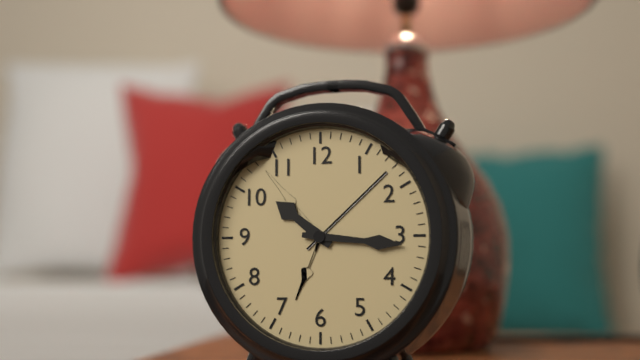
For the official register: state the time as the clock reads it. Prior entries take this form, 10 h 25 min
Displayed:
10 h 16 min
